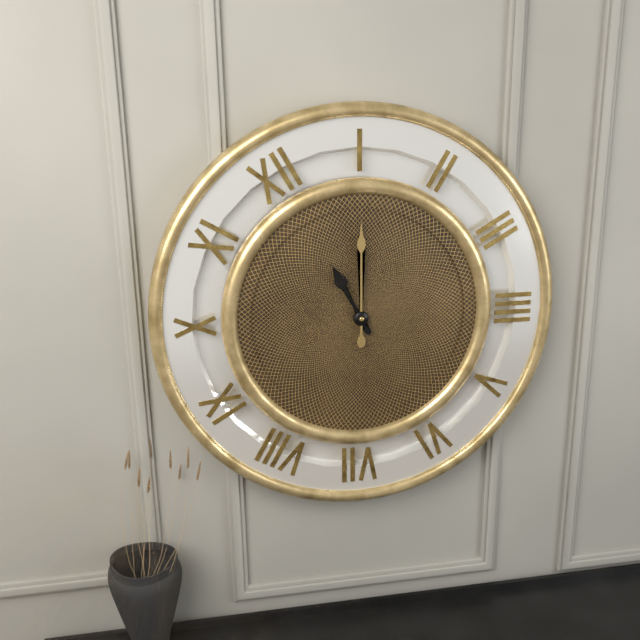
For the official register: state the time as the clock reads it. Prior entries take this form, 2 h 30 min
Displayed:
12 h 05 min
